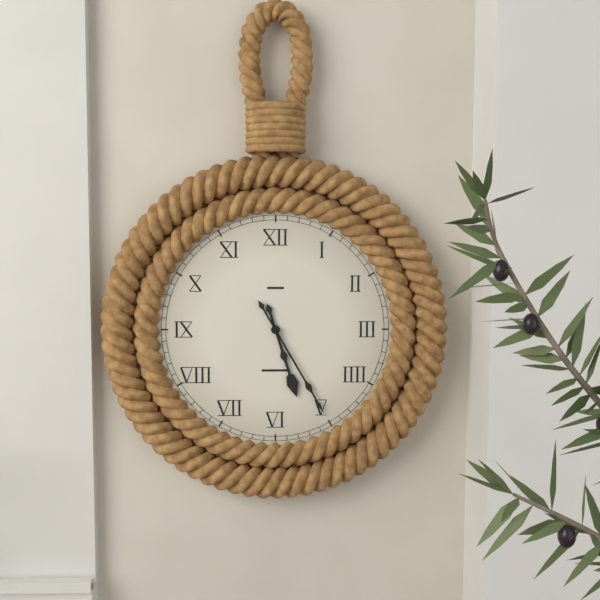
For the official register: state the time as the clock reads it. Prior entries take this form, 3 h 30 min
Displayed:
5 h 25 min
